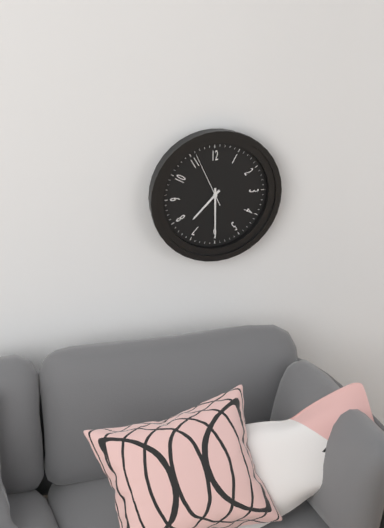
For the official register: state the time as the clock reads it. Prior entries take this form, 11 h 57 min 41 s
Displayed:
7 h 30 min 56 s
